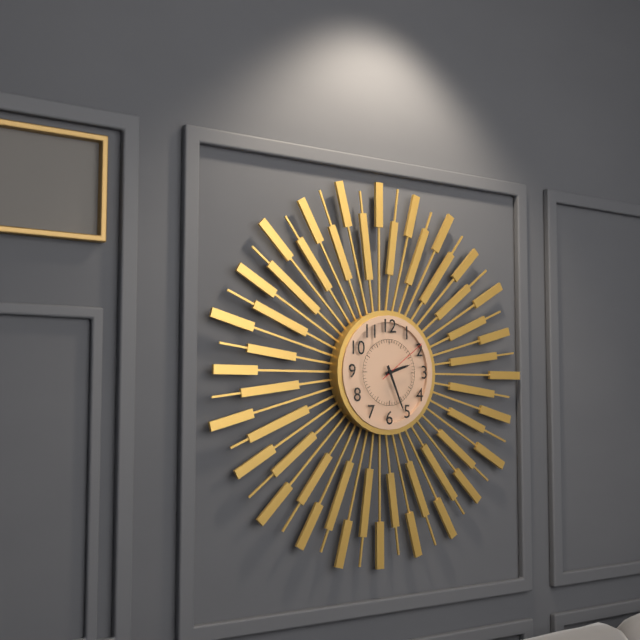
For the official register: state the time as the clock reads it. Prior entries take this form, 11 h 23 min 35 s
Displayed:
2 h 26 min 09 s
